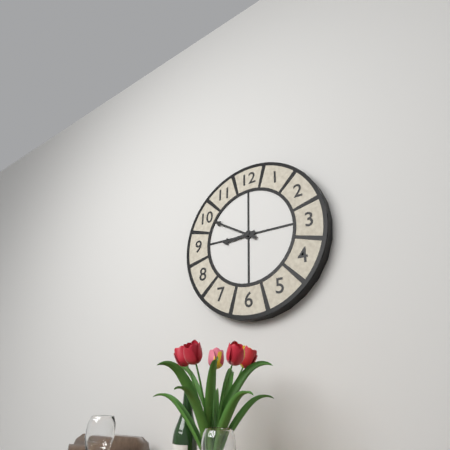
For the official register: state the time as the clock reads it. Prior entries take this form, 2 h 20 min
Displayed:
8 h 50 min
